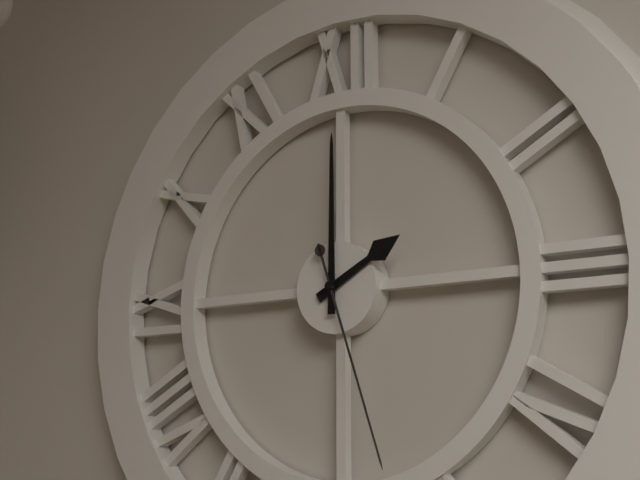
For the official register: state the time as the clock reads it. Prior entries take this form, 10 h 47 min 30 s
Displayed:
2 h 00 min 27 s
